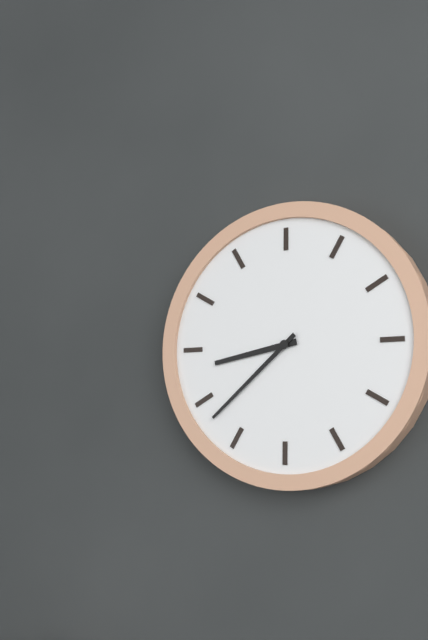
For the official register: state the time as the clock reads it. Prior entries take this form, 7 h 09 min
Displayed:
8 h 38 min
